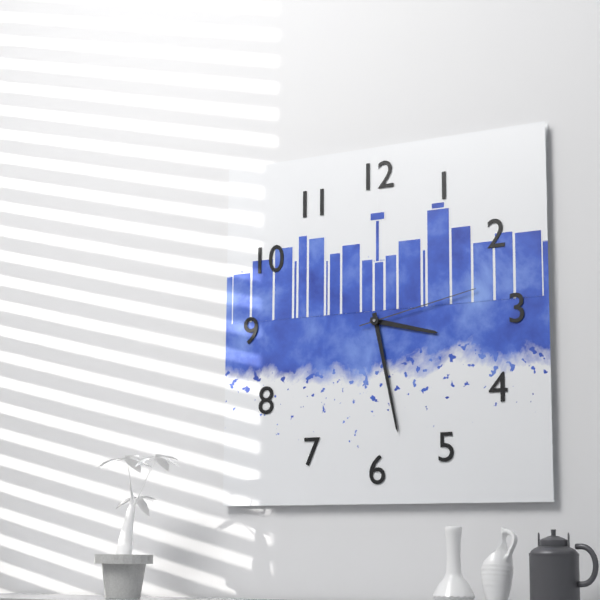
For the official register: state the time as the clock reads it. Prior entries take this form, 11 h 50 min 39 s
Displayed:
3 h 28 min 13 s
